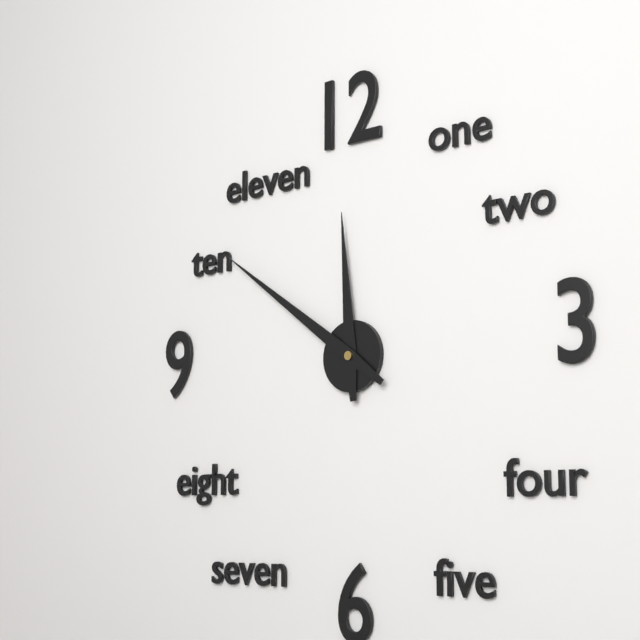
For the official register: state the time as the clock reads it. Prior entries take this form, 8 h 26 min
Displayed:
11 h 51 min
